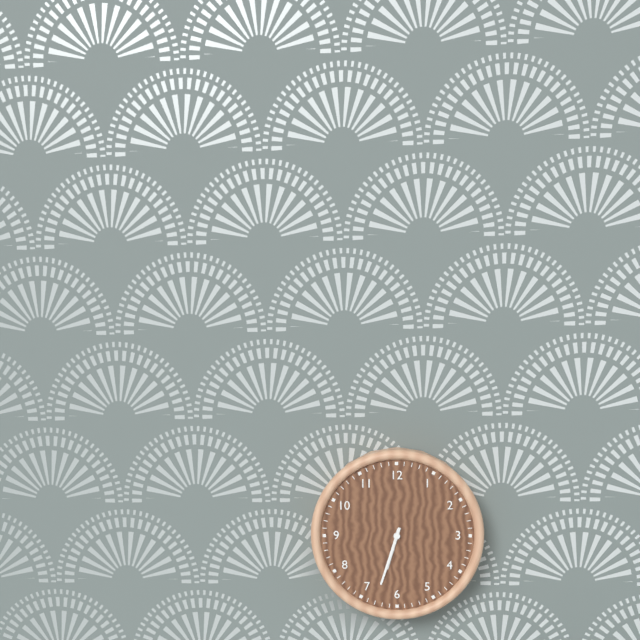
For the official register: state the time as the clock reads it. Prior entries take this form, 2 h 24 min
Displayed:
6 h 33 min
